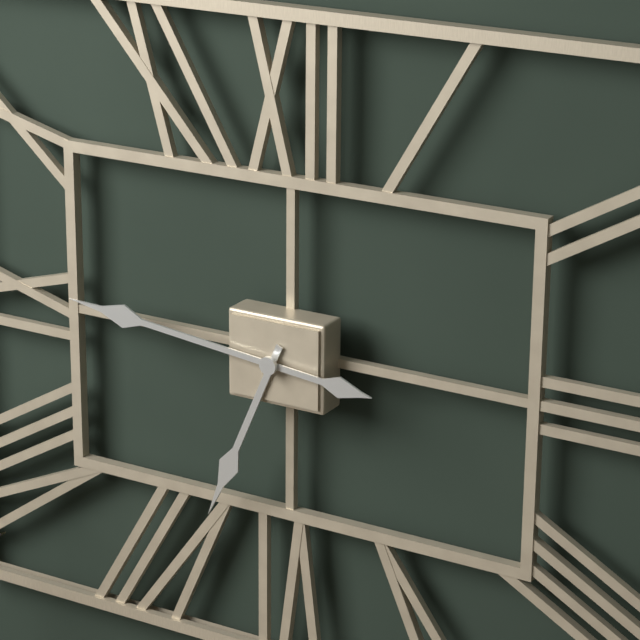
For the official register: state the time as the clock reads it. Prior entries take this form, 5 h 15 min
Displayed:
6 h 46 min
